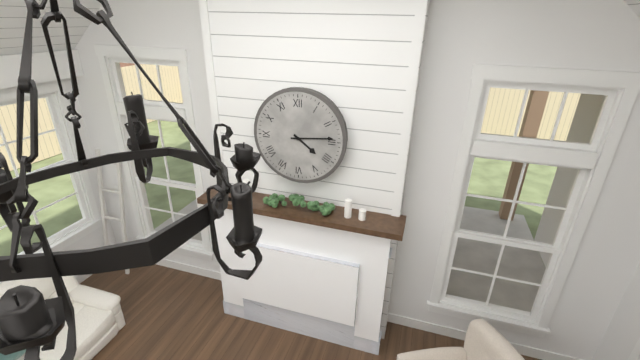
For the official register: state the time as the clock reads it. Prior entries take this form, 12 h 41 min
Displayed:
4 h 14 min
